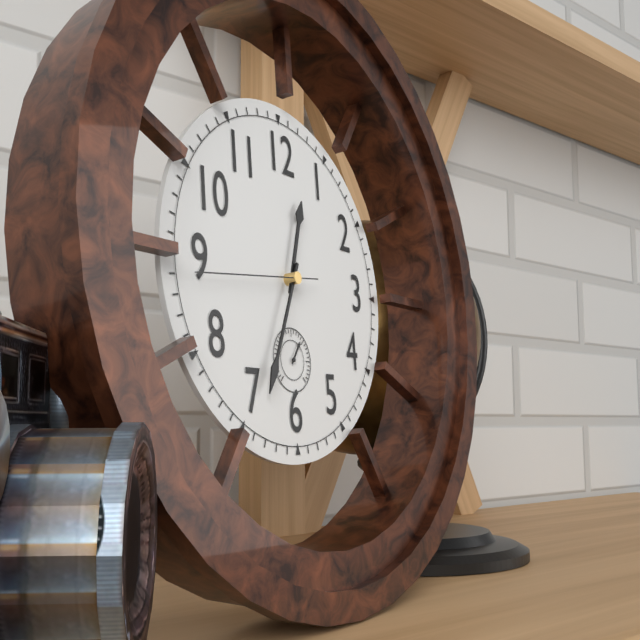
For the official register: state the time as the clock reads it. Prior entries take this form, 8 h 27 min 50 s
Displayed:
12 h 34 min 44 s
